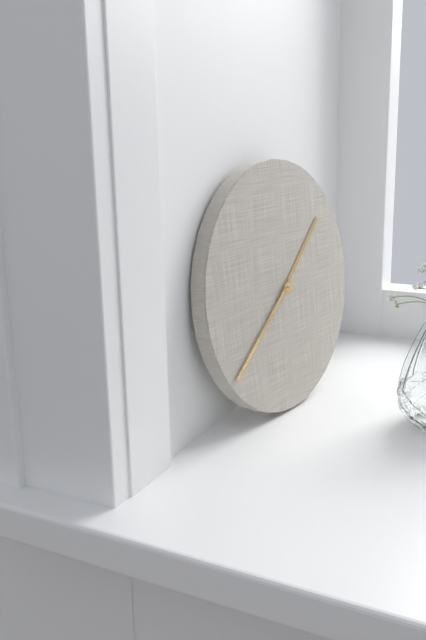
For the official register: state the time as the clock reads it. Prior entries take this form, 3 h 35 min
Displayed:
1 h 39 min
